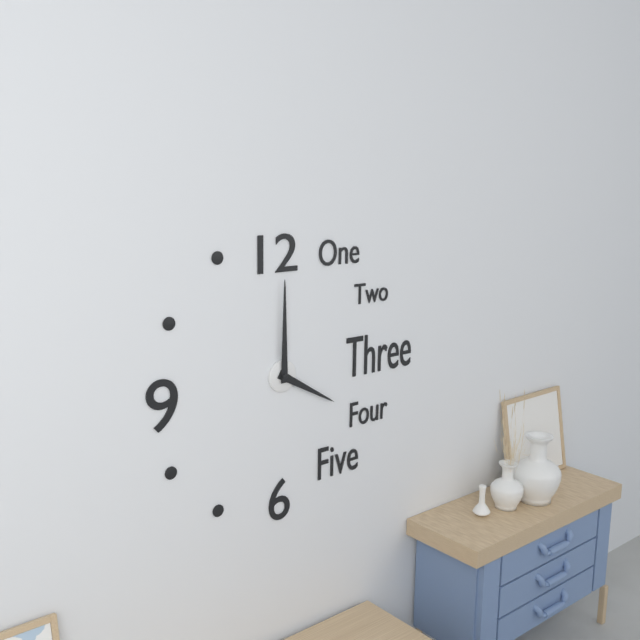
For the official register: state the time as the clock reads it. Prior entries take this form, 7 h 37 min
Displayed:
4 h 00 min
